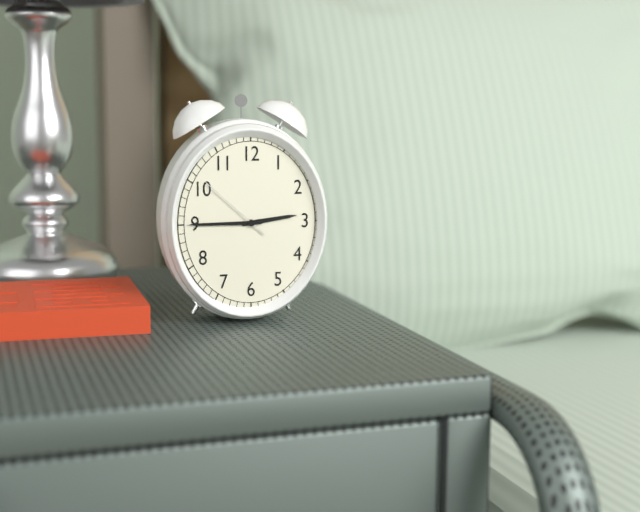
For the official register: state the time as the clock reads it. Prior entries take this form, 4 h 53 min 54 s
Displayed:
2 h 45 min 52 s
